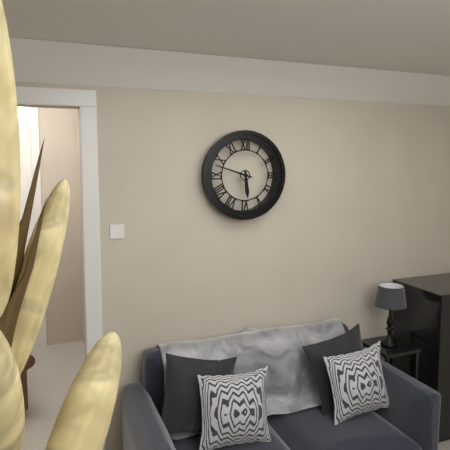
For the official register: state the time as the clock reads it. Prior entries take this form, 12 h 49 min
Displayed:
5 h 48 min
